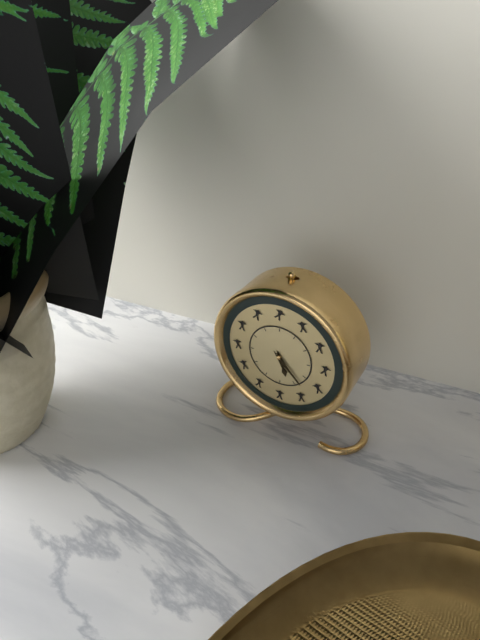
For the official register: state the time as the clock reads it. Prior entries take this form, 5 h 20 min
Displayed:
5 h 23 min
